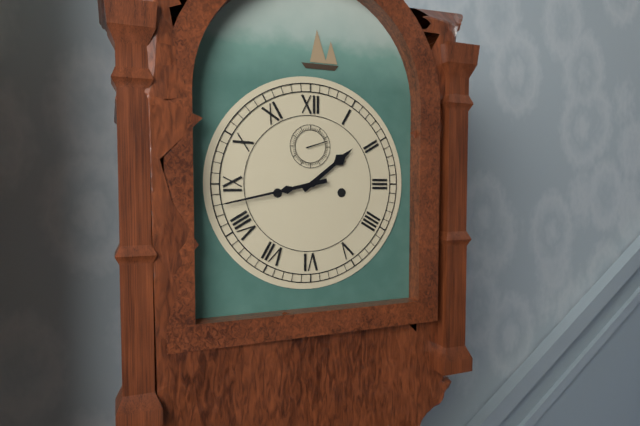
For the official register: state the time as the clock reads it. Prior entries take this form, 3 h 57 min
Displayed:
1 h 43 min
